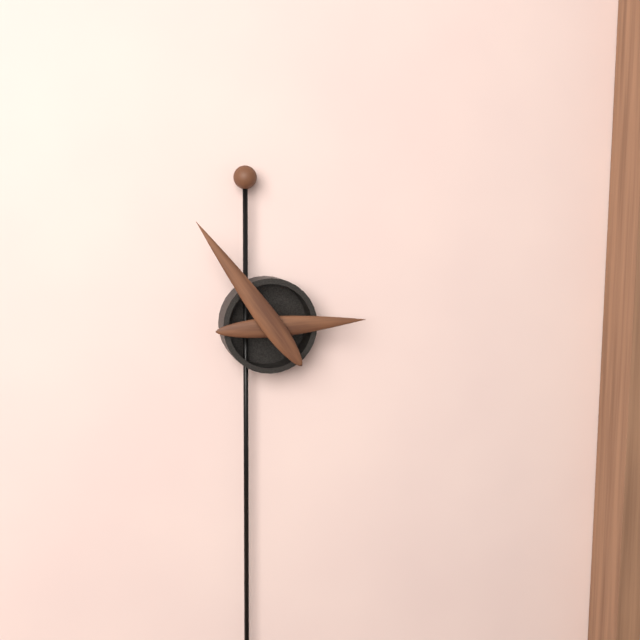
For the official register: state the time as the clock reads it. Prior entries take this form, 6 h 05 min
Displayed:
2 h 54 min
